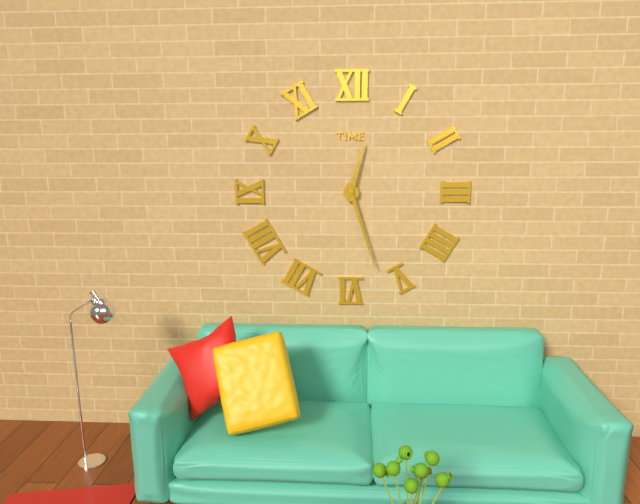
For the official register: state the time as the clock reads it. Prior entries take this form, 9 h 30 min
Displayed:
12 h 27 min
